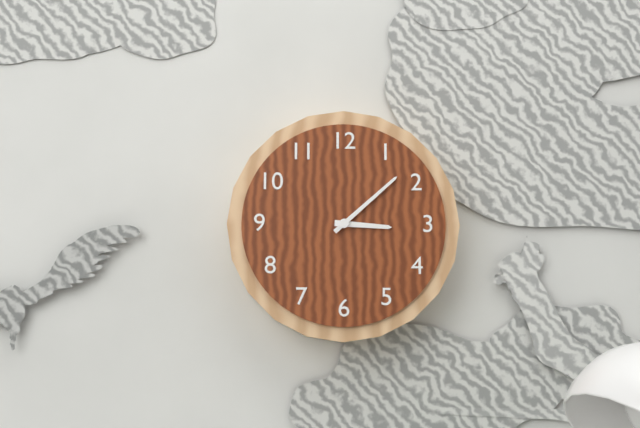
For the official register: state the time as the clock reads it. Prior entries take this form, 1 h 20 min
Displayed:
3 h 08 min
